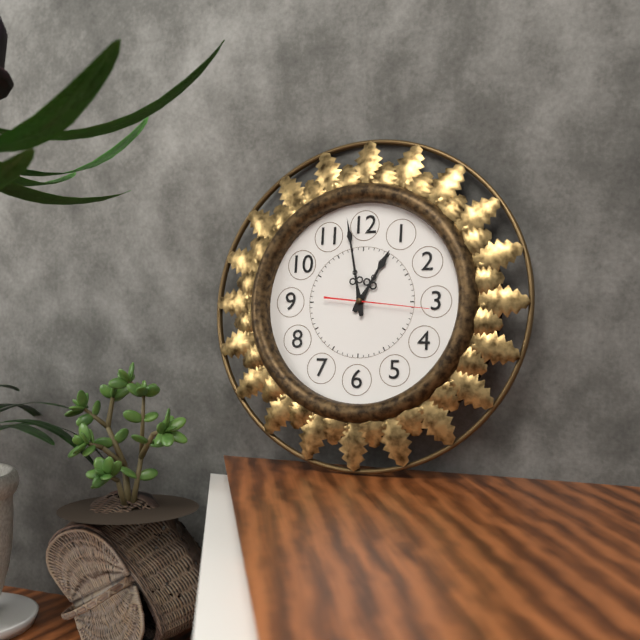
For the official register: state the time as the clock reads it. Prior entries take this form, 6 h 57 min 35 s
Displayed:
12 h 58 min 16 s
